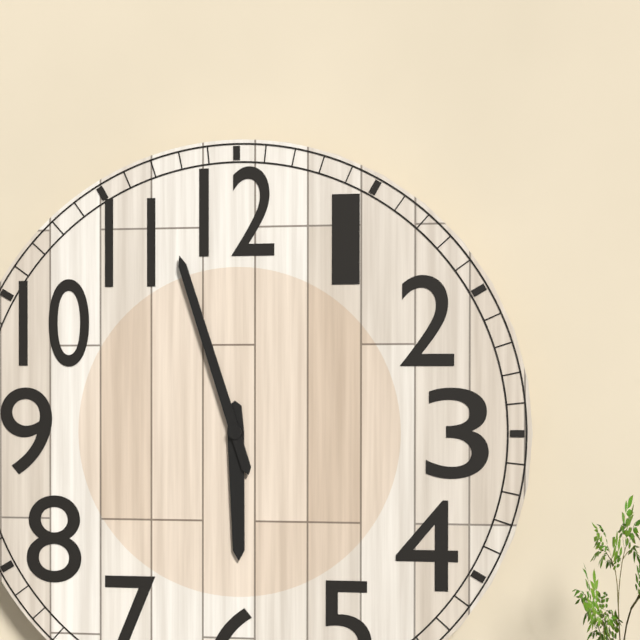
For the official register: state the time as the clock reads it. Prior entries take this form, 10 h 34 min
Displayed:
5 h 57 min
